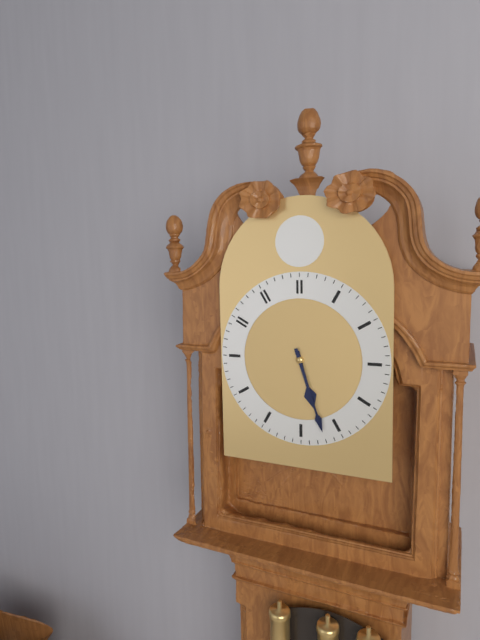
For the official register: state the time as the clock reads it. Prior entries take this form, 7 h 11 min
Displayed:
5 h 27 min
